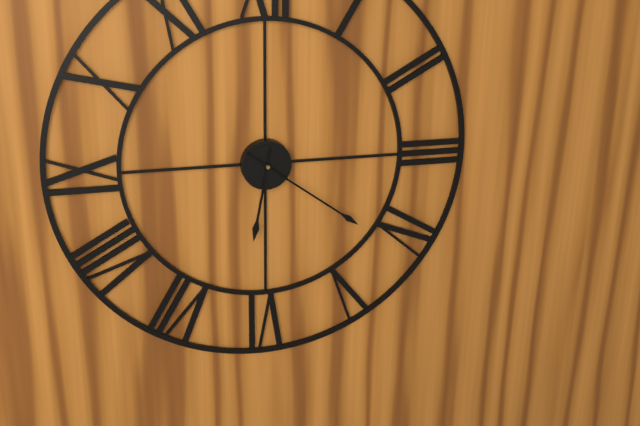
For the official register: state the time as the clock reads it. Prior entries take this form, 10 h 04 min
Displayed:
6 h 21 min
